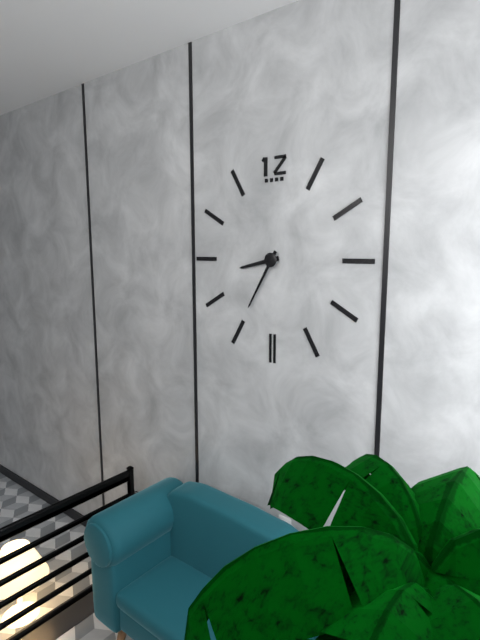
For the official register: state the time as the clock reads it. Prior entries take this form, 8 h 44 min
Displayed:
8 h 35 min
